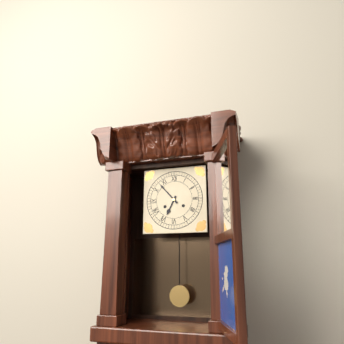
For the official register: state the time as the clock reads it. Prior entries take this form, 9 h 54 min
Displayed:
6 h 53 min
